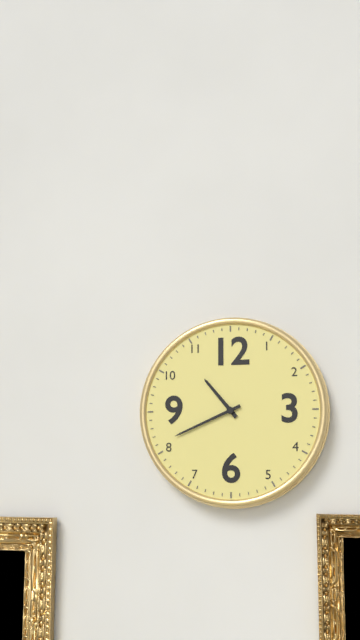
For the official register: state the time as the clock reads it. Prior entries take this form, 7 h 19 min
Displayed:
10 h 41 min
